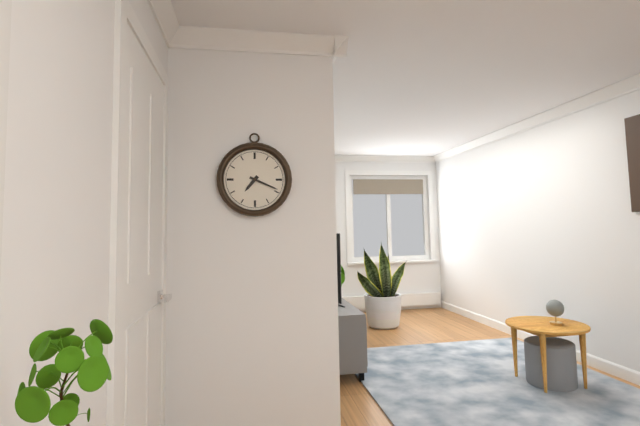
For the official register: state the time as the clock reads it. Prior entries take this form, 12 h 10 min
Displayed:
7 h 19 min
